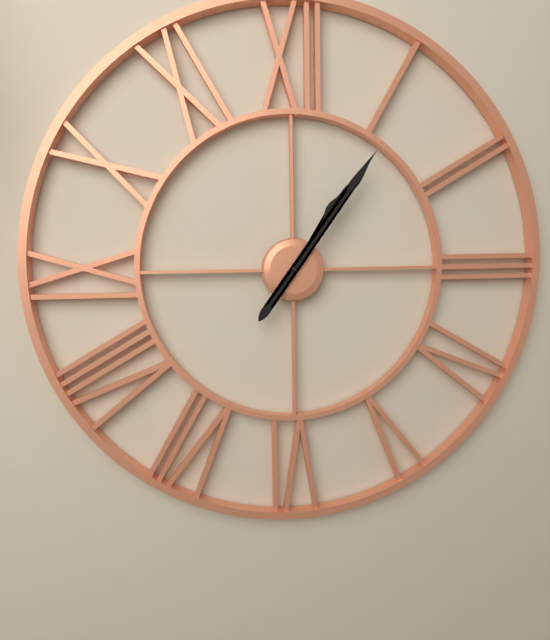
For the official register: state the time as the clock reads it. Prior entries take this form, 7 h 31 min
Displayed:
1 h 06 min
